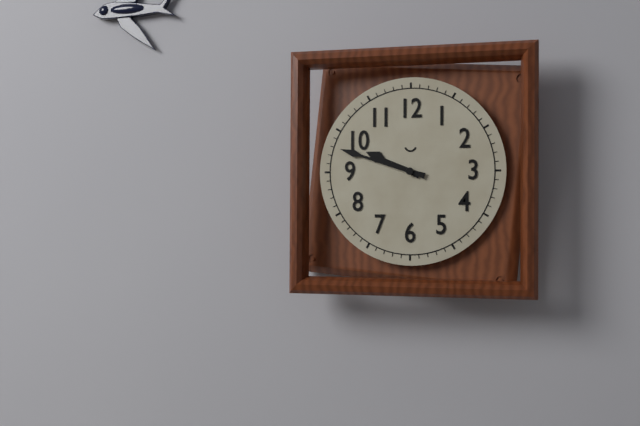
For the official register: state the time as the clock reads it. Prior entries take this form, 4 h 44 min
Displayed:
9 h 48 min
